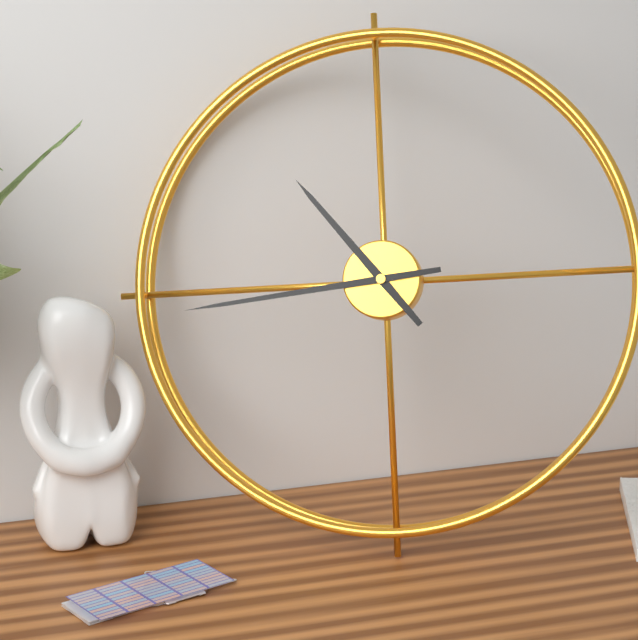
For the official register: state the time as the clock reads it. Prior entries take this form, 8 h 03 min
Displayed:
10 h 44 min
